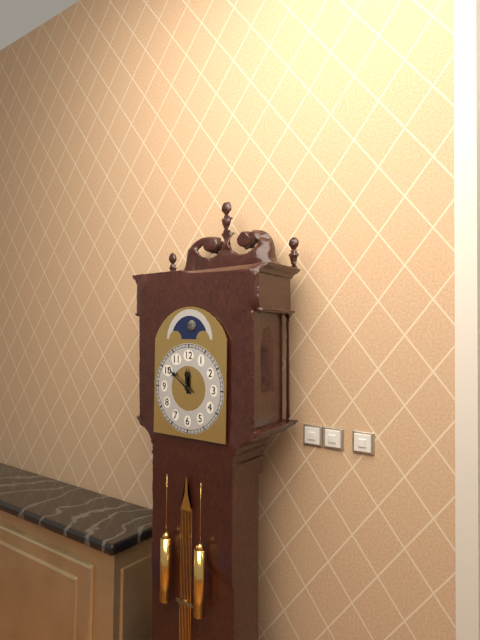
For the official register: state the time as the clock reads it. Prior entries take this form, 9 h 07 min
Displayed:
11 h 51 min
